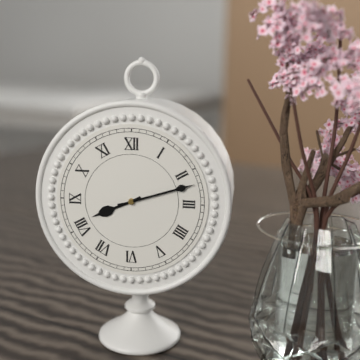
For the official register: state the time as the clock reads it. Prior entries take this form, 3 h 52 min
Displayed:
8 h 12 min
